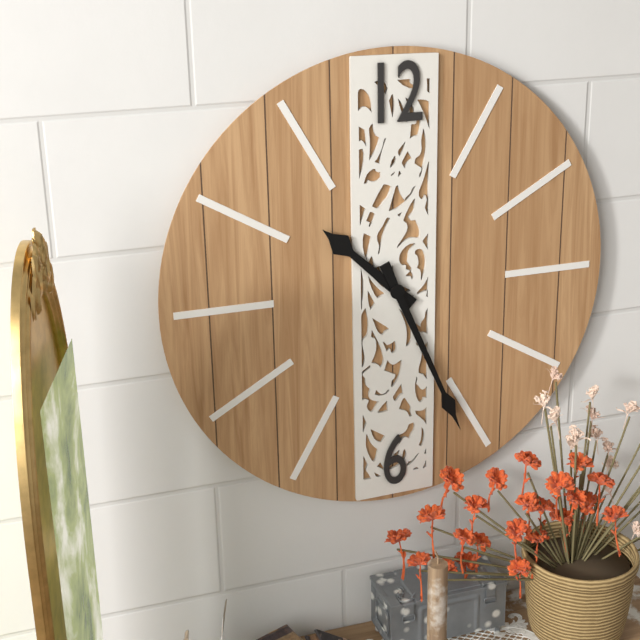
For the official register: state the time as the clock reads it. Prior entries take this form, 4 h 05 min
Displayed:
10 h 26 min
